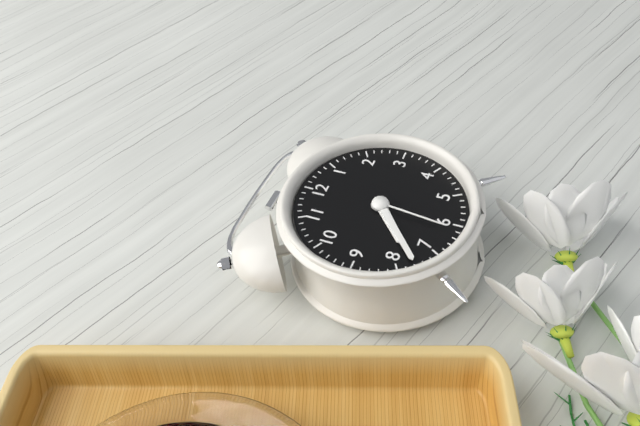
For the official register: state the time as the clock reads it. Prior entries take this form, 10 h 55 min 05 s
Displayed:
7 h 38 min 31 s
